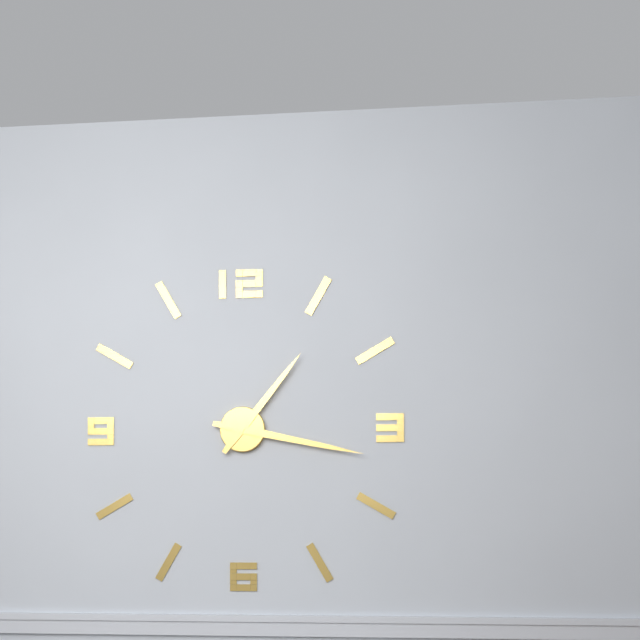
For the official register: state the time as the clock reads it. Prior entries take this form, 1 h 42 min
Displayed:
1 h 17 min
